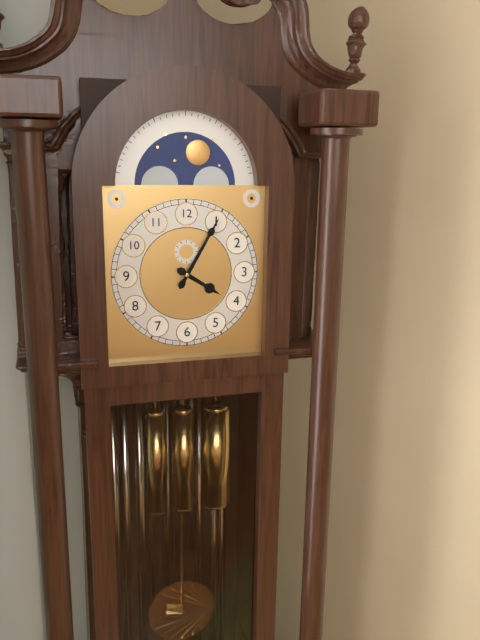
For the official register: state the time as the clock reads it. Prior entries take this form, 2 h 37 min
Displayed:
4 h 05 min
